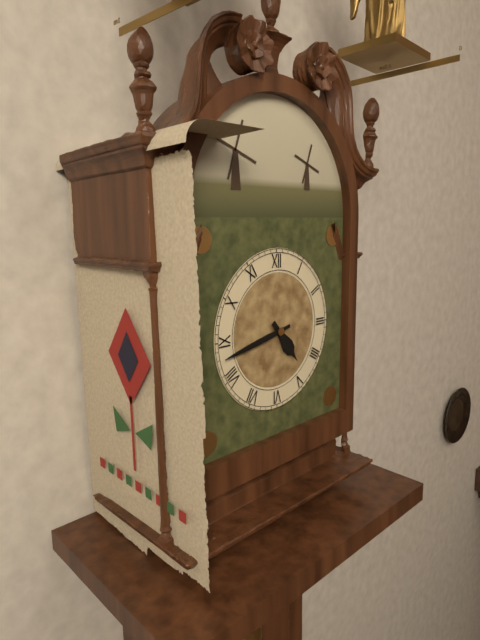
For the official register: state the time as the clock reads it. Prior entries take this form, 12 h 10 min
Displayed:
4 h 43 min
